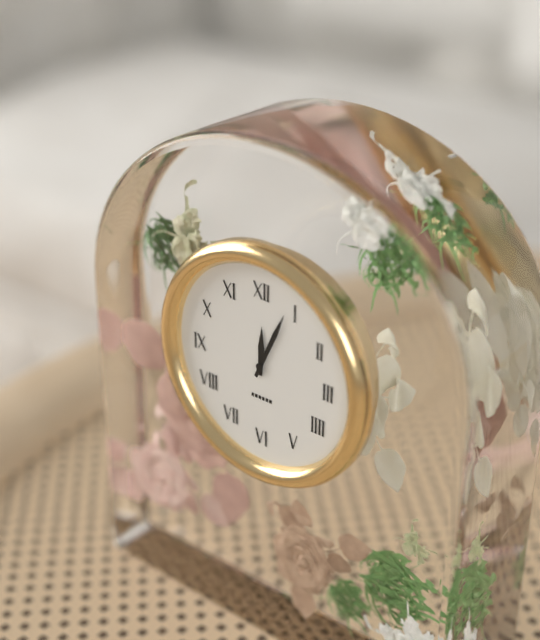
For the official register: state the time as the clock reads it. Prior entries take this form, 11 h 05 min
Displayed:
12 h 04 min
